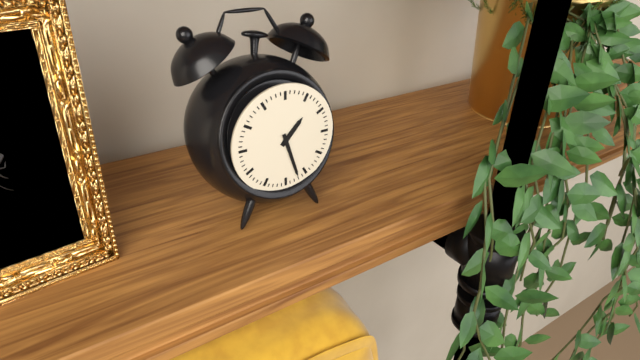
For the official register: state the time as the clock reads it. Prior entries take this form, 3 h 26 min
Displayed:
1 h 27 min
